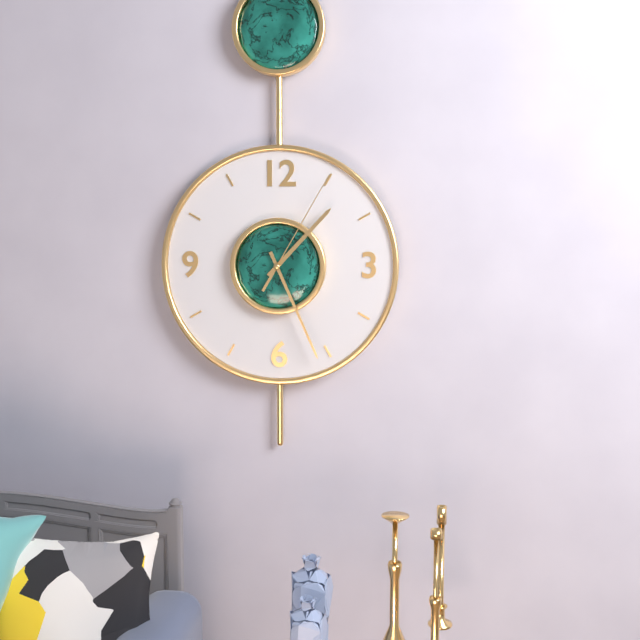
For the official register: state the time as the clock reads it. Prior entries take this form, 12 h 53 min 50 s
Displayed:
1 h 26 min 05 s
